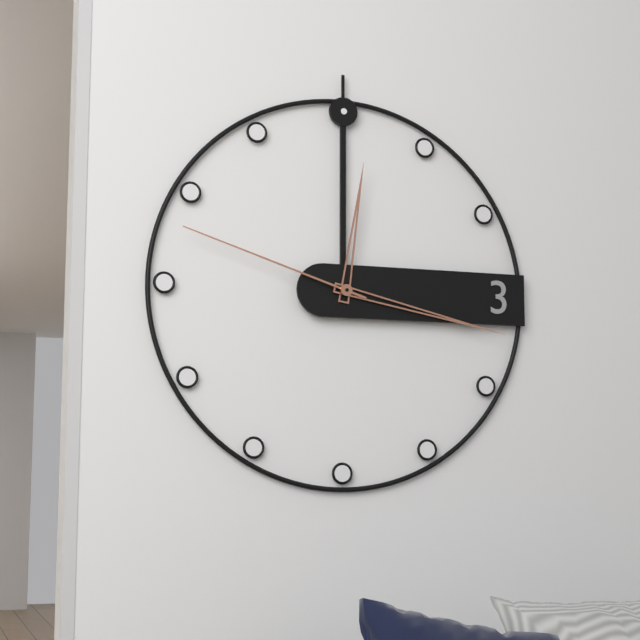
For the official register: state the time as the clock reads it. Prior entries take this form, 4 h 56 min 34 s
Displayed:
12 h 17 min 48 s
